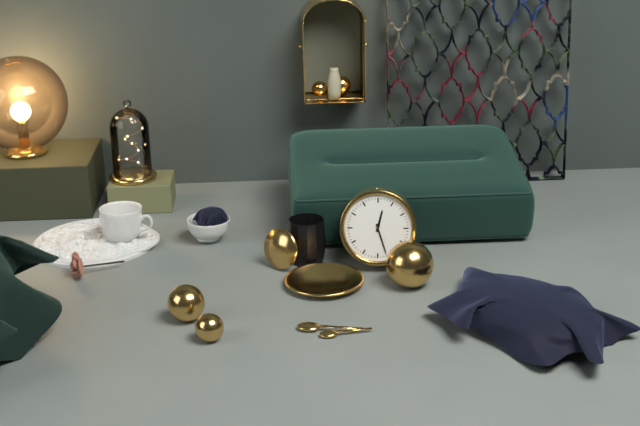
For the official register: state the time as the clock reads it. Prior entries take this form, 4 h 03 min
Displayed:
12 h 27 min
